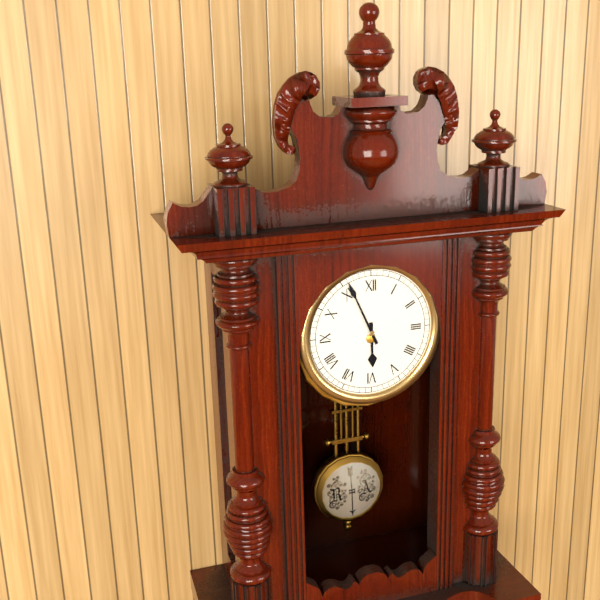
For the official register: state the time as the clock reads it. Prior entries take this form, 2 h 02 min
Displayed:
5 h 56 min
